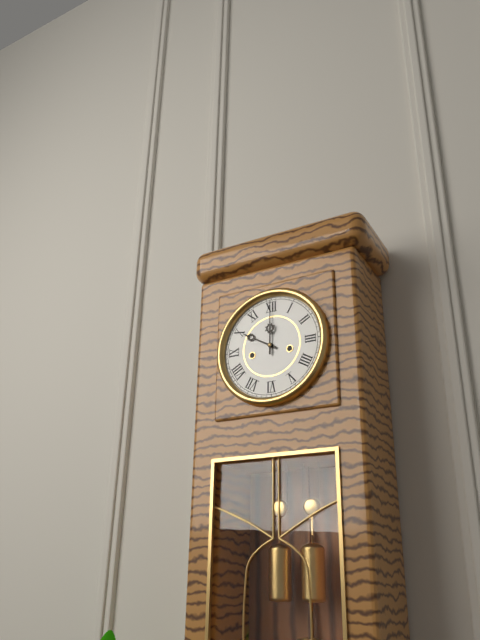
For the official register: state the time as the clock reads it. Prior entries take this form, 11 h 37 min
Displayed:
10 h 00 min
